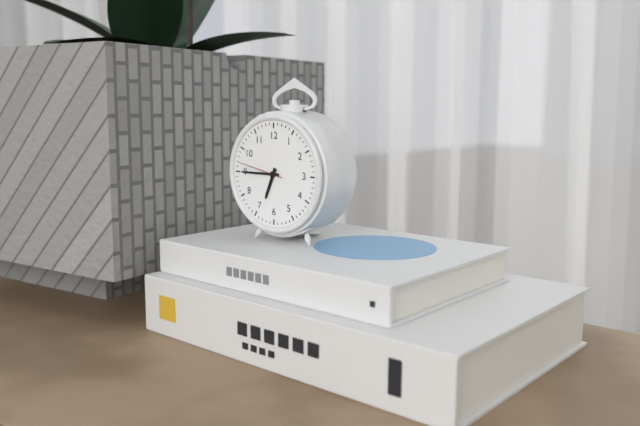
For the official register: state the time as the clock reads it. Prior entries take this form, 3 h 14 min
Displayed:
6 h 45 min
